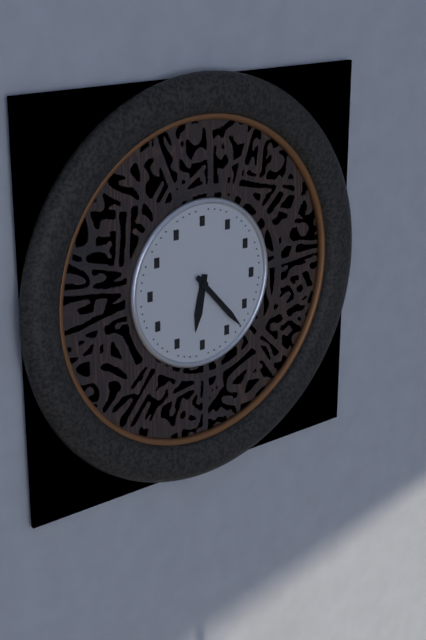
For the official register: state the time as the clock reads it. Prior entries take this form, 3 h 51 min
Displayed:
6 h 23 min
